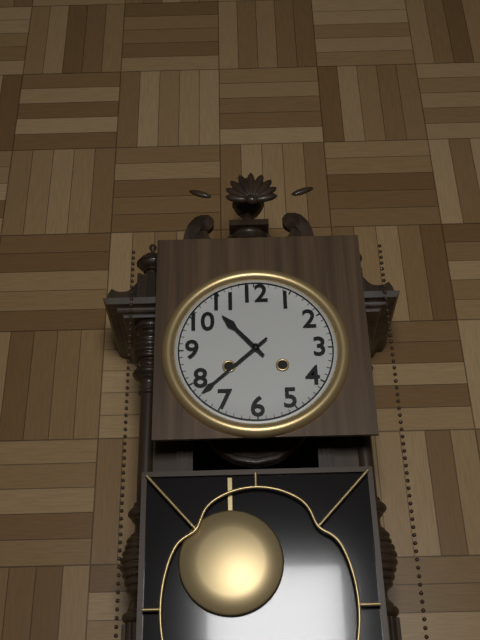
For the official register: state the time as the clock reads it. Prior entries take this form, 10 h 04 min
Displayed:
10 h 38 min
